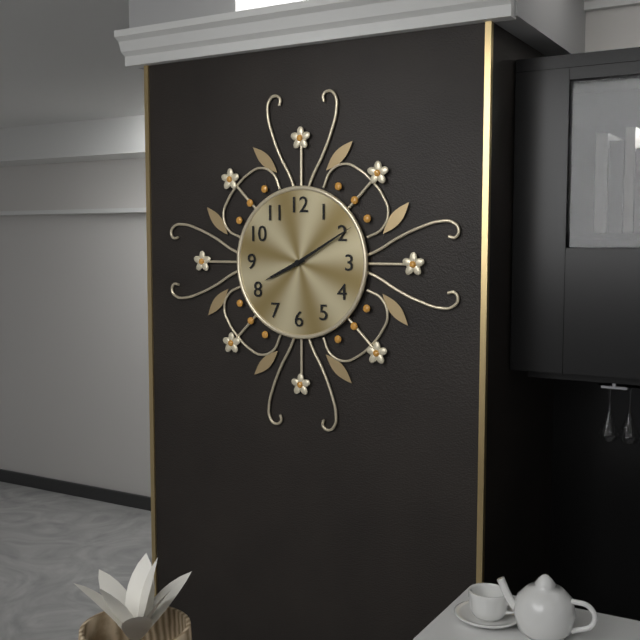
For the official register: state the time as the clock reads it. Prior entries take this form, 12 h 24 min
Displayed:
8 h 10 min
